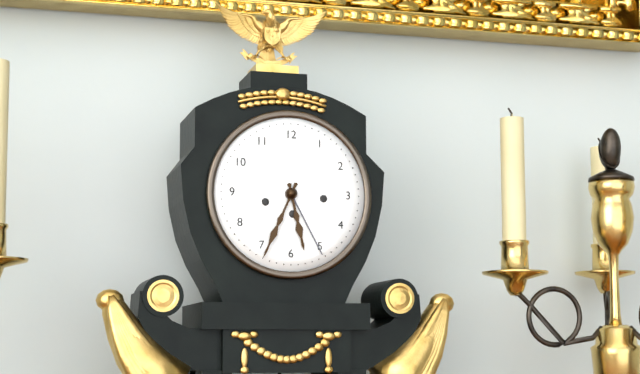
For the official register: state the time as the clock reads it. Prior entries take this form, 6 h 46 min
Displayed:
5 h 34 min
